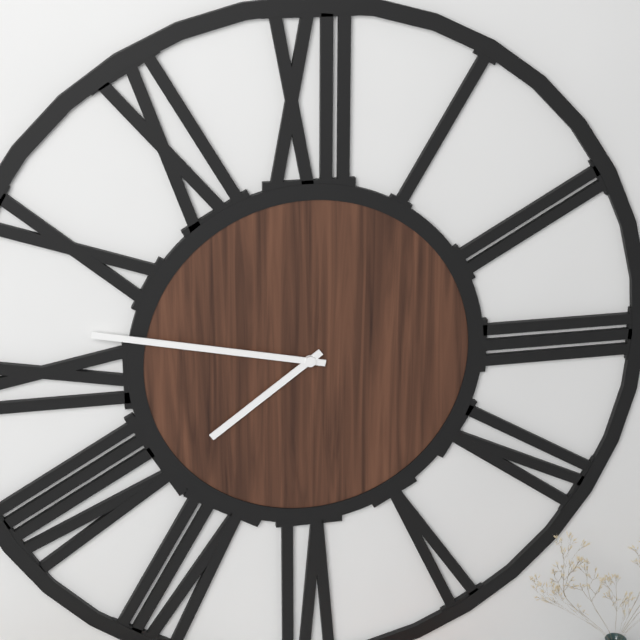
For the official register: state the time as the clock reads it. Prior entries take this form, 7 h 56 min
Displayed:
7 h 47 min
